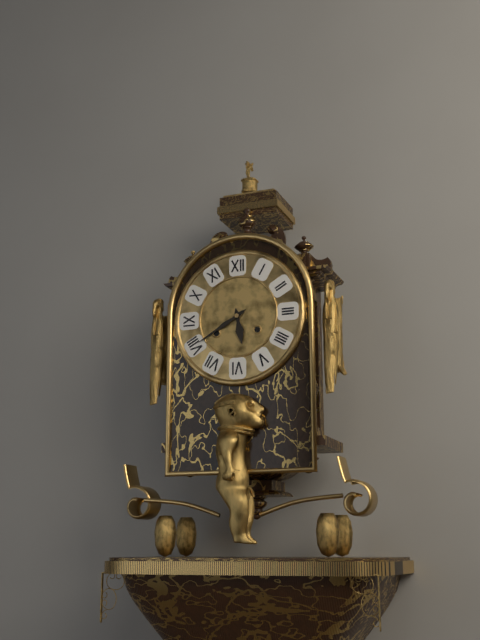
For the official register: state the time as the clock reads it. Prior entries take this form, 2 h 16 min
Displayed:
5 h 40 min
